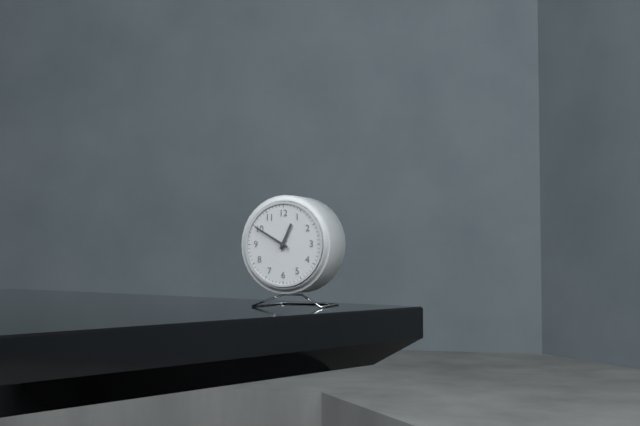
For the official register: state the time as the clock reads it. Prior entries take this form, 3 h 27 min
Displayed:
12 h 50 min
